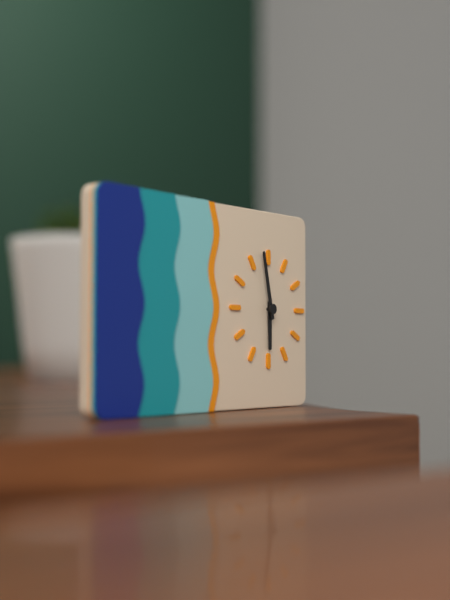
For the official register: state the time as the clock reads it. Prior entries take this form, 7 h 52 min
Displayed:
5 h 58 min
